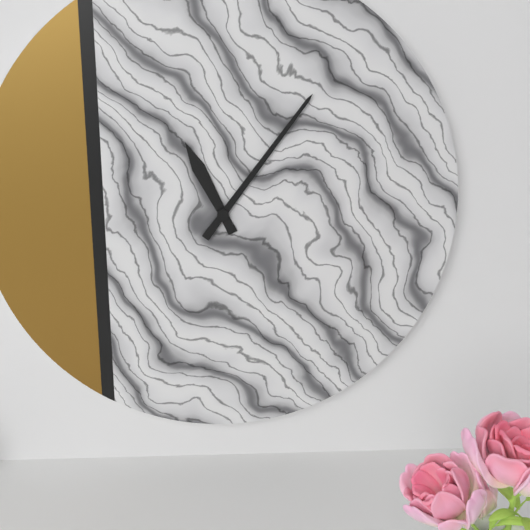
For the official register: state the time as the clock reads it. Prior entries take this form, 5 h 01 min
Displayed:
11 h 06 min
